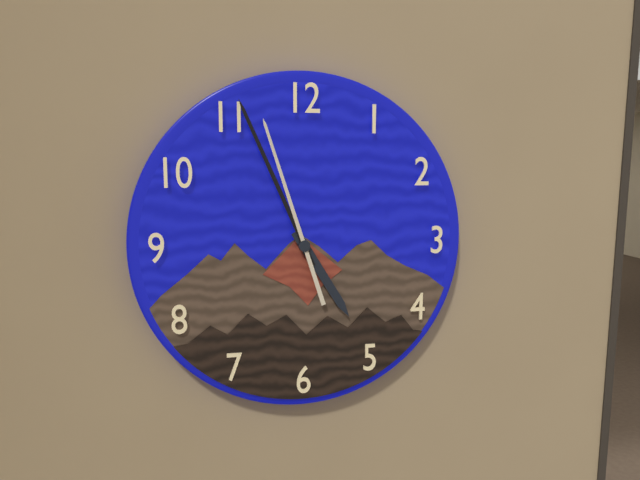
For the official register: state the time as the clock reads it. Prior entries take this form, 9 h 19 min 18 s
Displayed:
4 h 56 min 57 s
